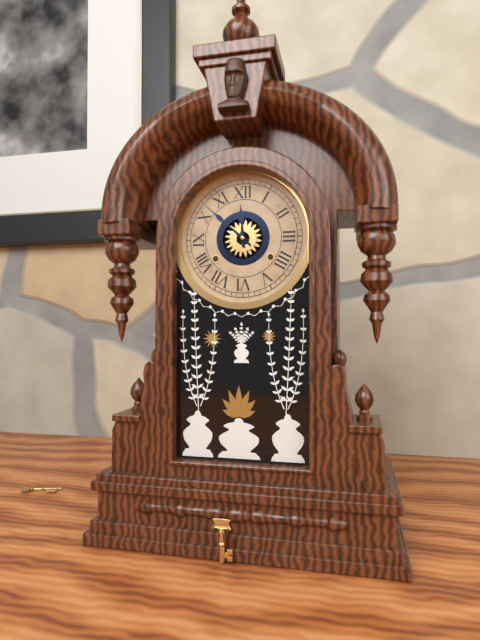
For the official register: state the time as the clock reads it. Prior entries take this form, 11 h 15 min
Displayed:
11 h 52 min
